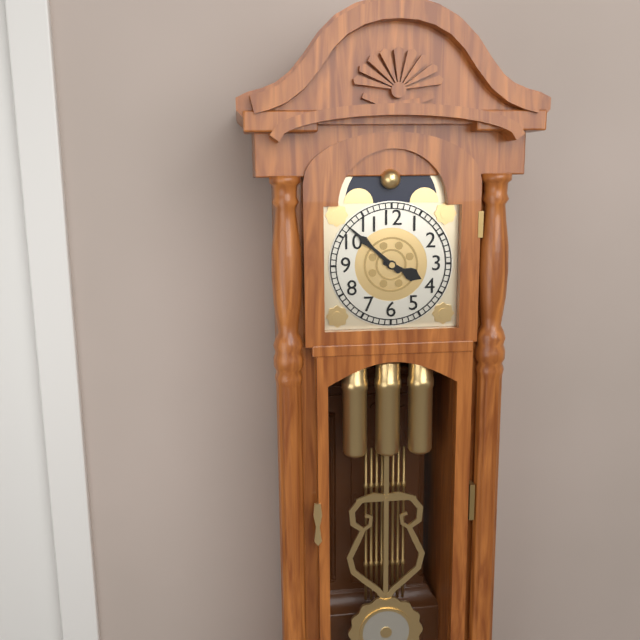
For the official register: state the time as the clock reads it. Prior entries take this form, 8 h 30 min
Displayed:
3 h 52 min
